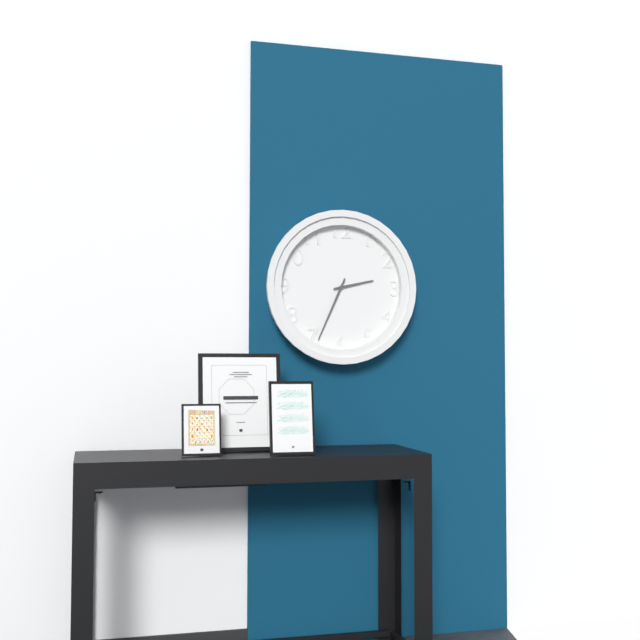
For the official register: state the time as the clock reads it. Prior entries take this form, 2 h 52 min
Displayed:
2 h 34 min
